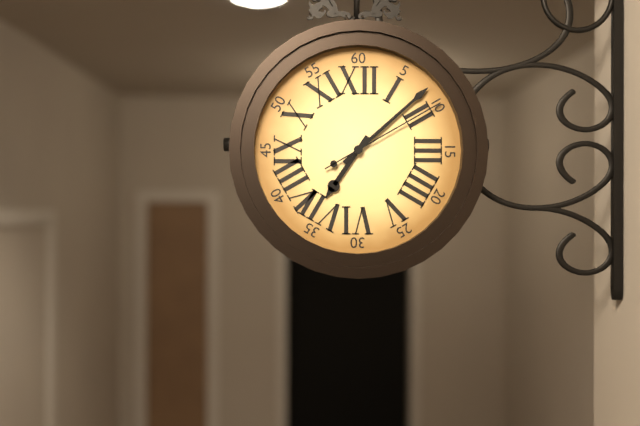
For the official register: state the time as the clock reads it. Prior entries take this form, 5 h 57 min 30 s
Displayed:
7 h 08 min 10 s
